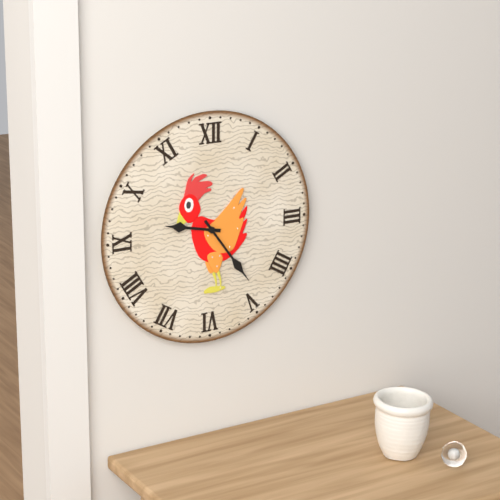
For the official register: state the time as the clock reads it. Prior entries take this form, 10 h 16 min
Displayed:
9 h 24 min
